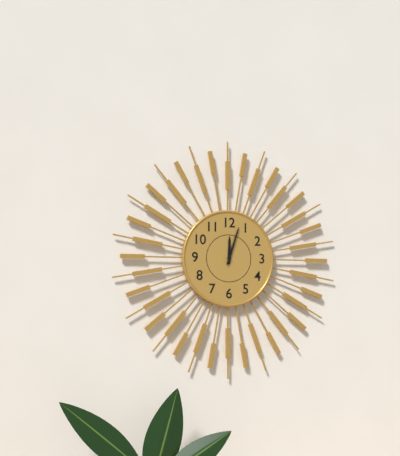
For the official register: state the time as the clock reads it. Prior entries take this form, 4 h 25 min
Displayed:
12 h 03 min
